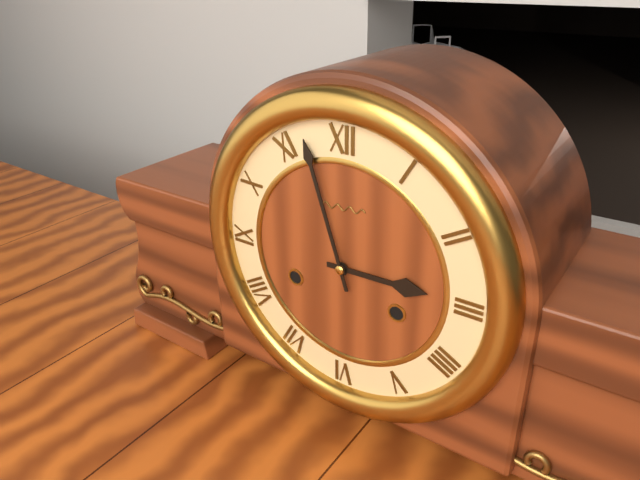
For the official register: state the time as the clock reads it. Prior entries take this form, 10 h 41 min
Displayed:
2 h 57 min
